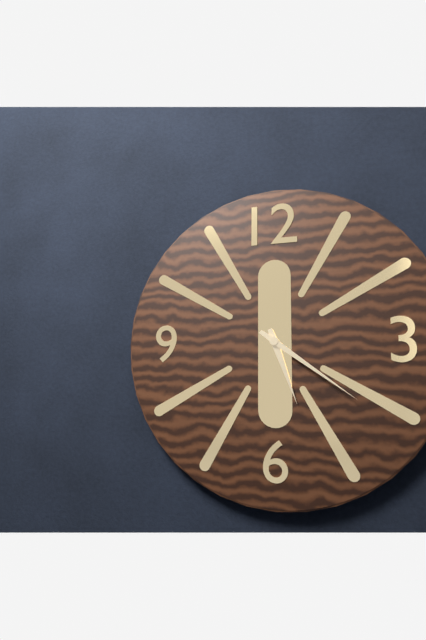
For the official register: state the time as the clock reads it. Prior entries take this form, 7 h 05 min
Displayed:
5 h 21 min
